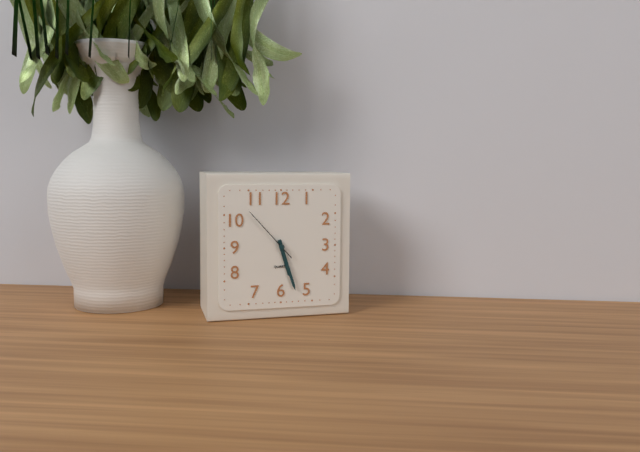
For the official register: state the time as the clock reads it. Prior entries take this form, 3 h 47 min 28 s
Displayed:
5 h 27 min 53 s
